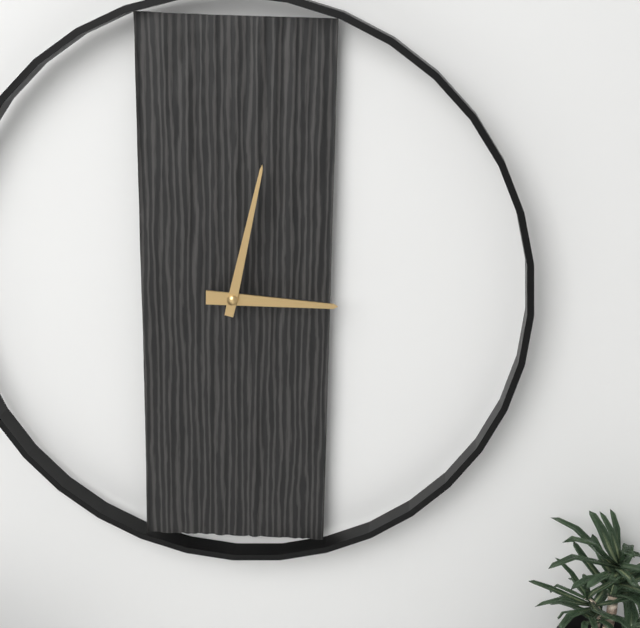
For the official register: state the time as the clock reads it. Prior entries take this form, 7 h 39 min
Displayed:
3 h 02 min
